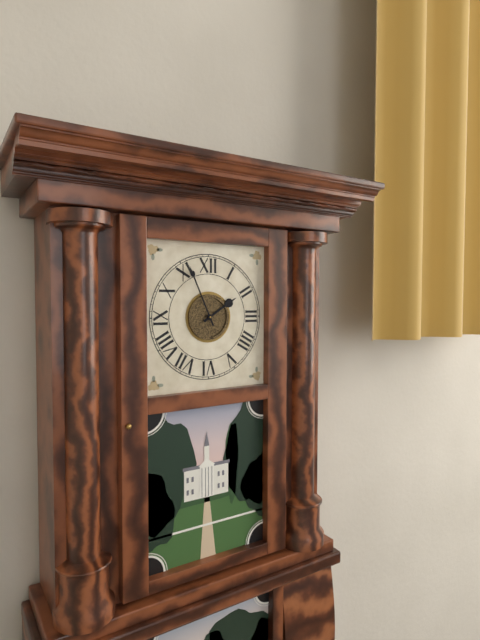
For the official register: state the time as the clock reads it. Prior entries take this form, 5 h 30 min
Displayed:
1 h 56 min
